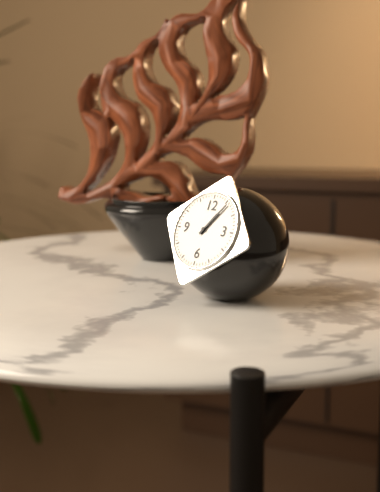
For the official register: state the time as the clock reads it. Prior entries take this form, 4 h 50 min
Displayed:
1 h 06 min
